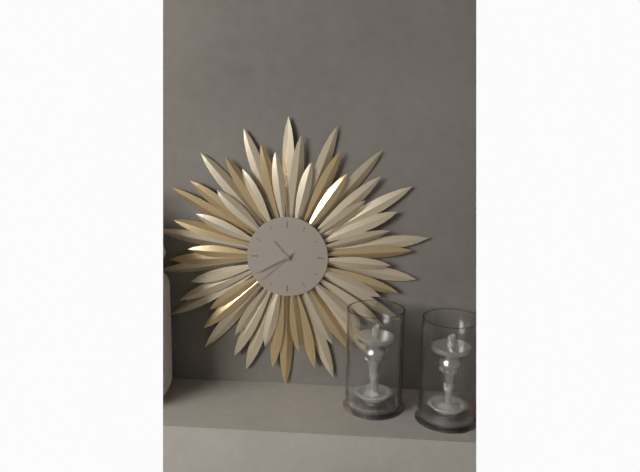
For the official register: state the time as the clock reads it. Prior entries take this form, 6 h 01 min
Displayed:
10 h 40 min
